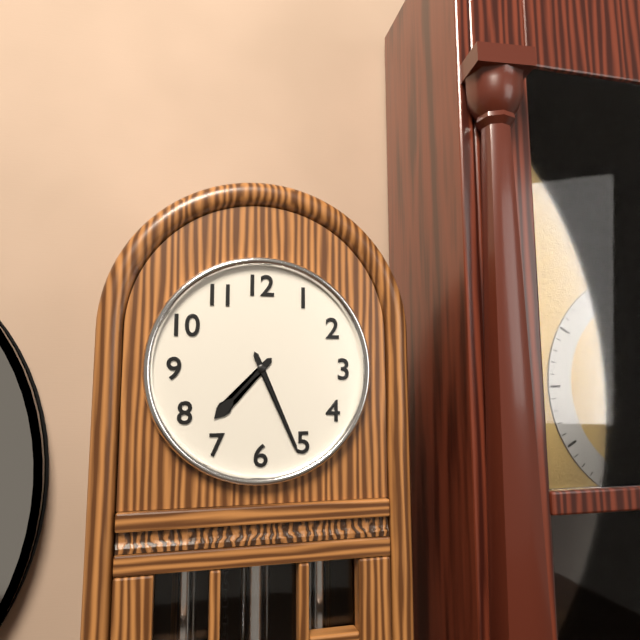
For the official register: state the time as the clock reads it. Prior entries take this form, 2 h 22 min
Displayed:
7 h 26 min
